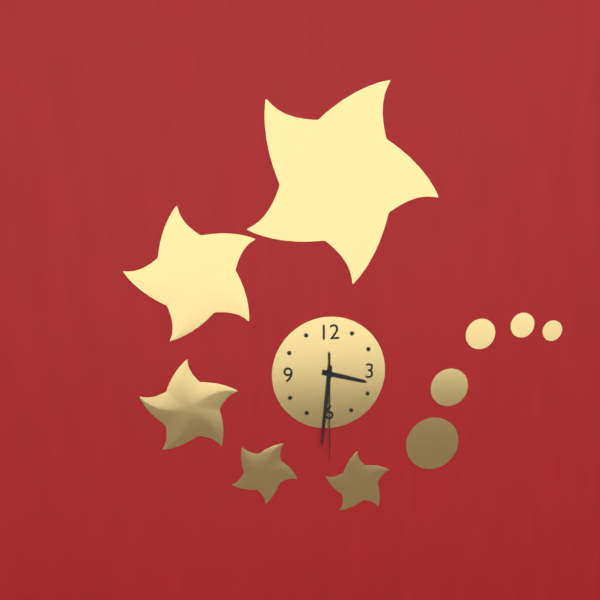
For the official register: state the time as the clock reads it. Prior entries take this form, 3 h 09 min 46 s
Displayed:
3 h 31 min 30 s
